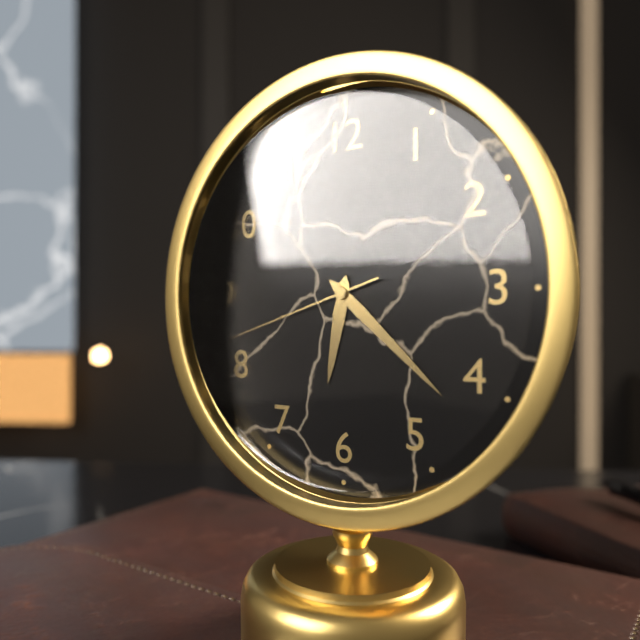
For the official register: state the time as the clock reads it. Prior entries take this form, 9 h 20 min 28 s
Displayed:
6 h 22 min 42 s
